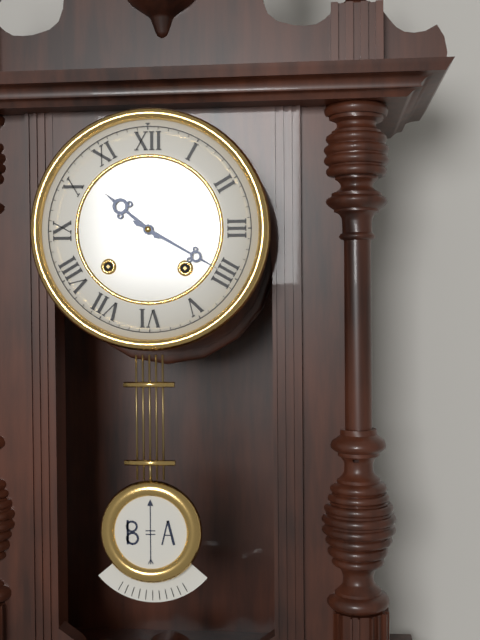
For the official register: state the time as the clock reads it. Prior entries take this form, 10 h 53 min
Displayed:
10 h 20 min
